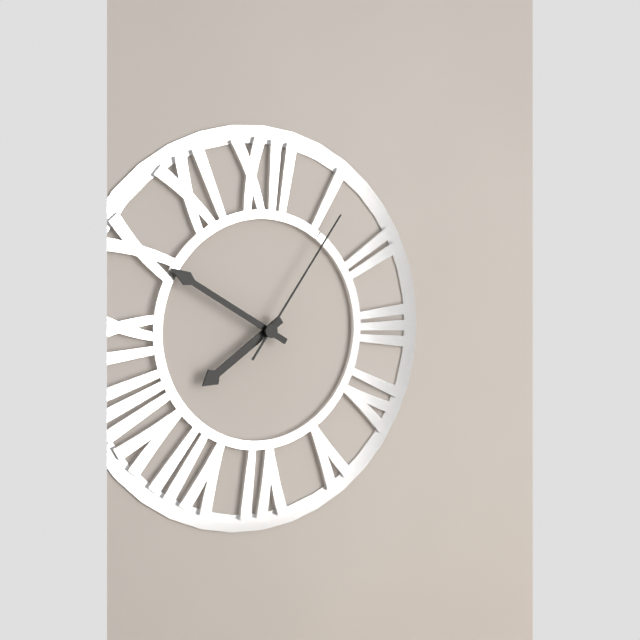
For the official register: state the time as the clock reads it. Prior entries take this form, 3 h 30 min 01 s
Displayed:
7 h 50 min 06 s
